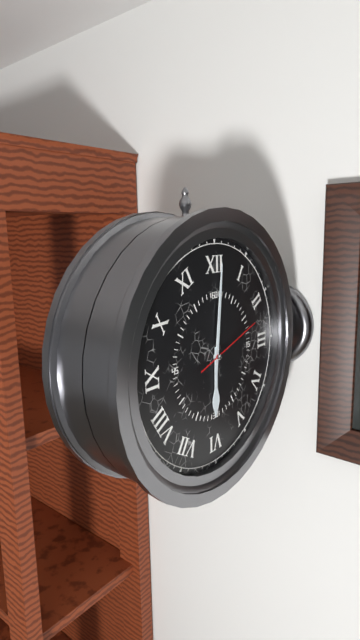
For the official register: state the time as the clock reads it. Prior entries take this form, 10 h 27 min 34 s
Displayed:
6 h 01 min 12 s
